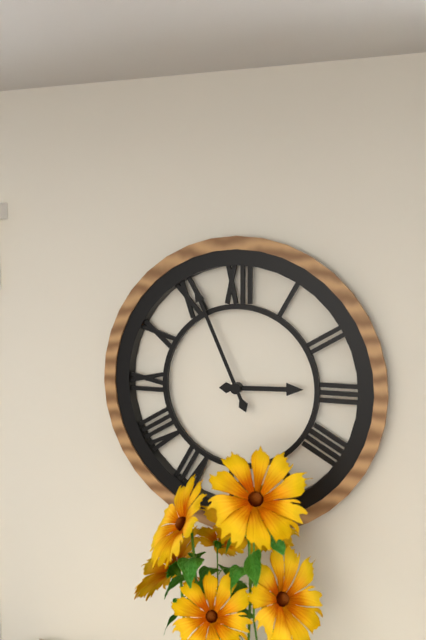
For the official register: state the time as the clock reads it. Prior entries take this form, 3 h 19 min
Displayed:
2 h 56 min
